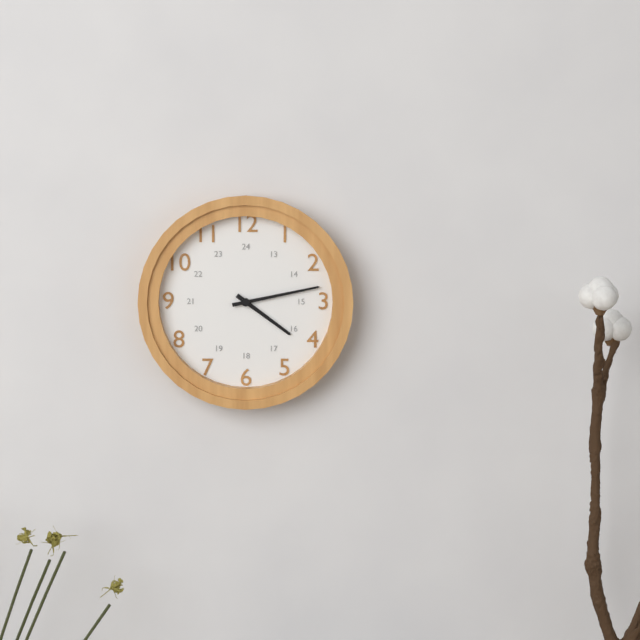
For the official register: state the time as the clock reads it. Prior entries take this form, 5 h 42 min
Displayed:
4 h 13 min
